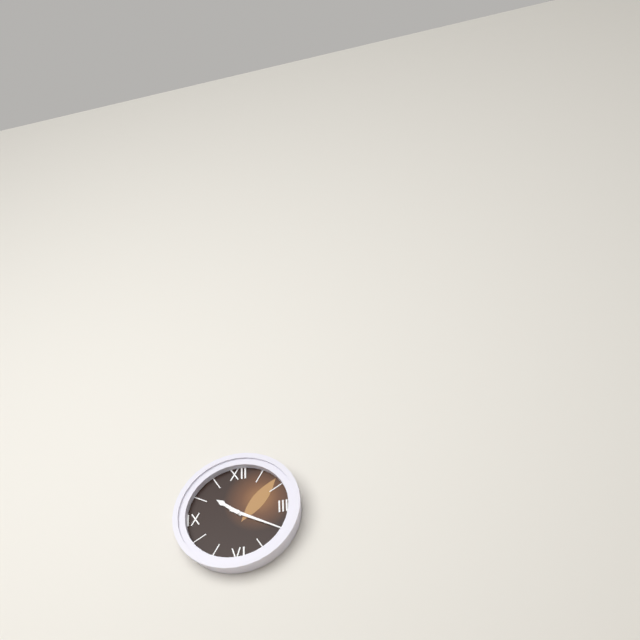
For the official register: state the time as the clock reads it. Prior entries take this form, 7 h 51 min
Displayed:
10 h 20 min
